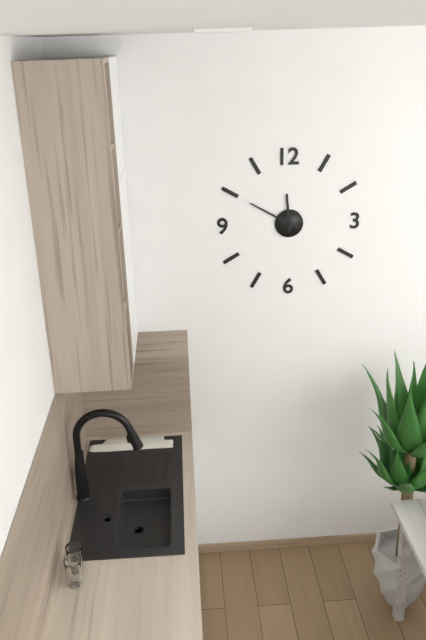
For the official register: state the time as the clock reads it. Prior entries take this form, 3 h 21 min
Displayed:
11 h 50 min
